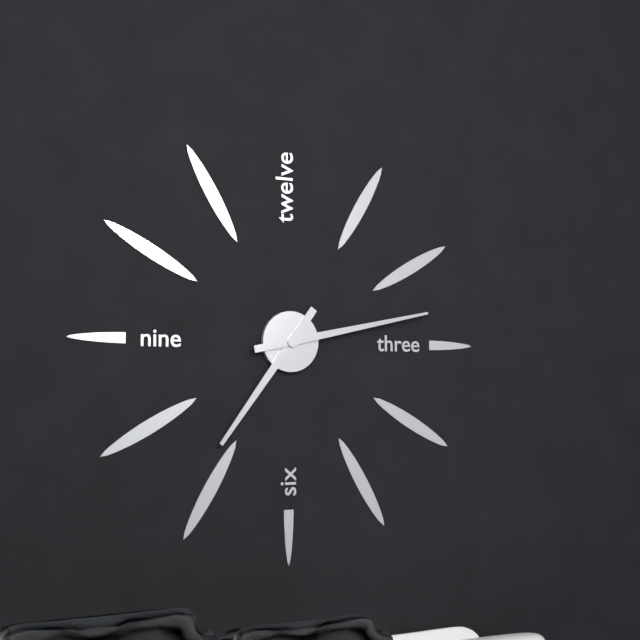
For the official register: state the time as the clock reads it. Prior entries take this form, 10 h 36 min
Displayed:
7 h 13 min
